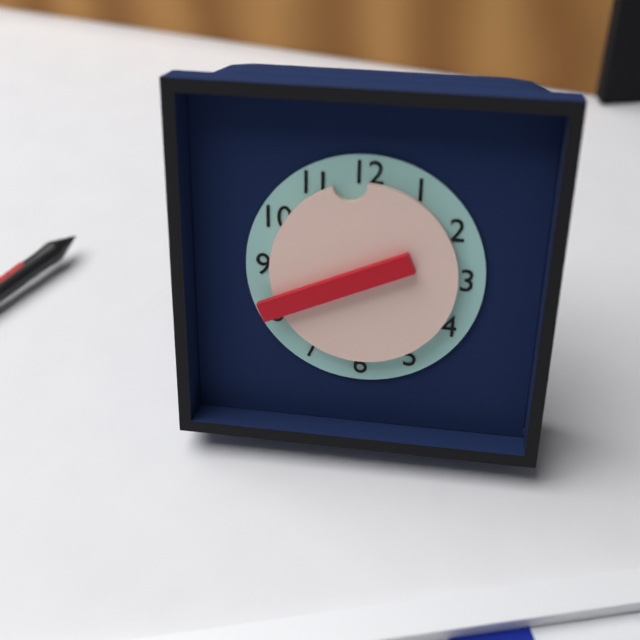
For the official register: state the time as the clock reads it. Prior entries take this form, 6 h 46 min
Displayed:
11 h 41 min
